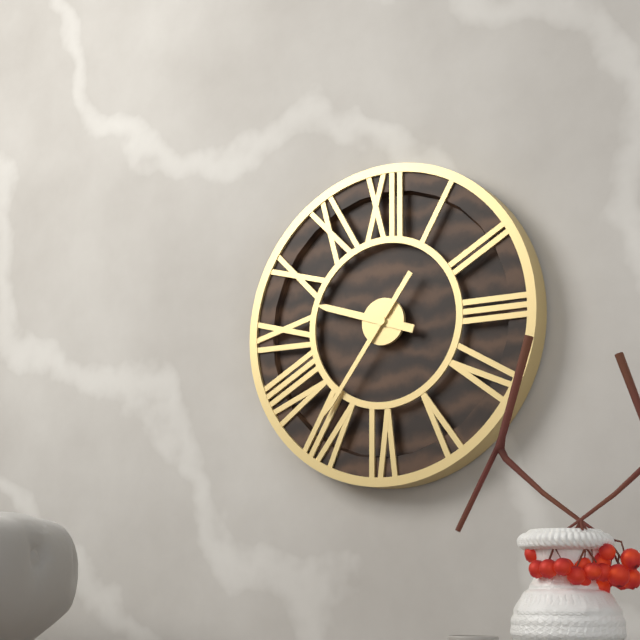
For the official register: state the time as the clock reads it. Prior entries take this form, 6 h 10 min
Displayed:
9 h 36 min
